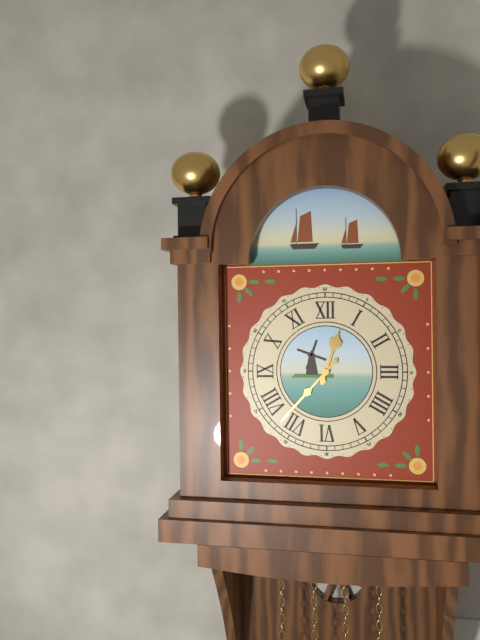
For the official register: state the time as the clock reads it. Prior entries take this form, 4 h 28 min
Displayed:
12 h 37 min
